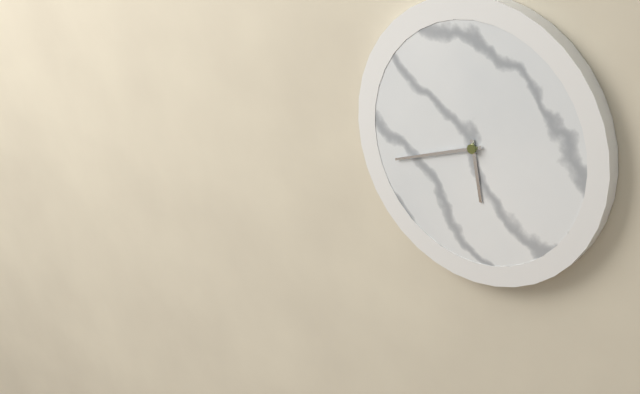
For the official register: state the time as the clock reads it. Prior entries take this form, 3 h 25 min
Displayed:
5 h 42 min
